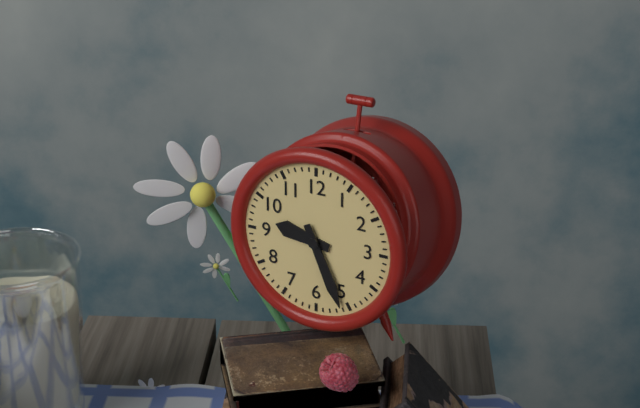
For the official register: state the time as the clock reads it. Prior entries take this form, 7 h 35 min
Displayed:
9 h 26 min
